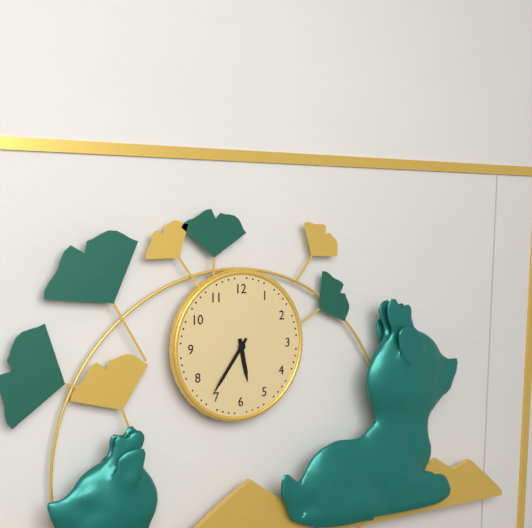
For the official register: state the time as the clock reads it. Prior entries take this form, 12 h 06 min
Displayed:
5 h 36 min
